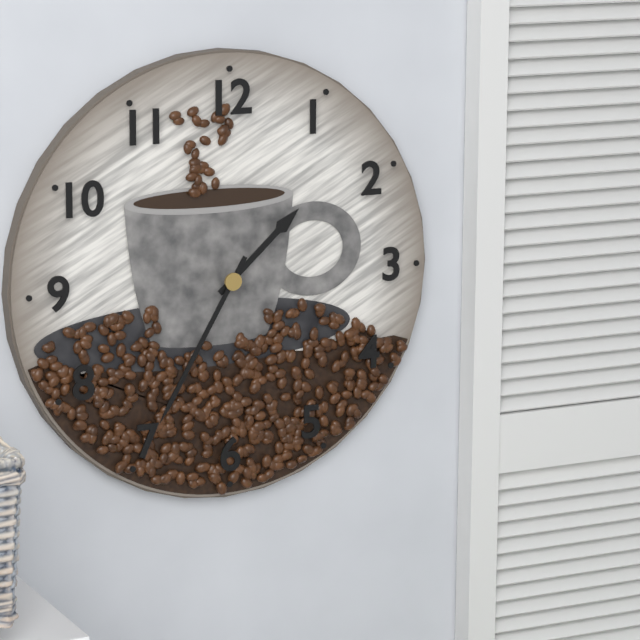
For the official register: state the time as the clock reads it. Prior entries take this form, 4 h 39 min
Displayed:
1 h 35 min
